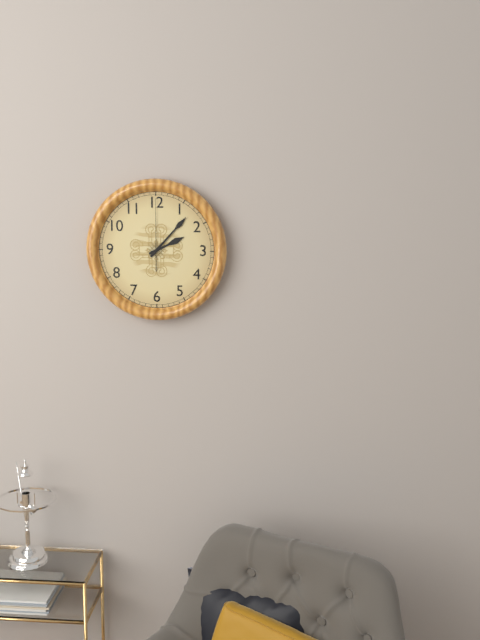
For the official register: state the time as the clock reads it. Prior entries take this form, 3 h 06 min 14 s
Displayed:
2 h 07 min 00 s
